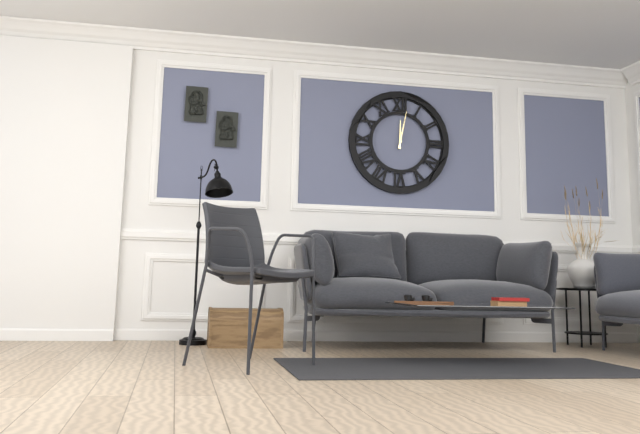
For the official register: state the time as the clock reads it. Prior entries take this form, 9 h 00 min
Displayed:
12 h 02 min
